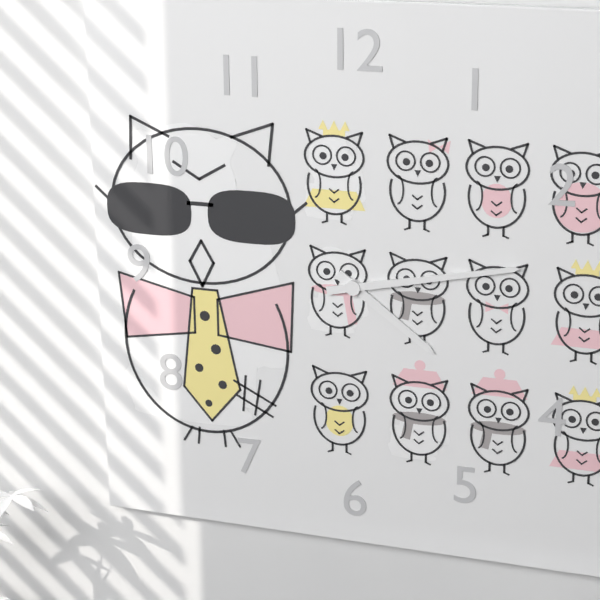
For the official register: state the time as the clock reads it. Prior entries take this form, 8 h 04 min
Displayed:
4 h 13 min
